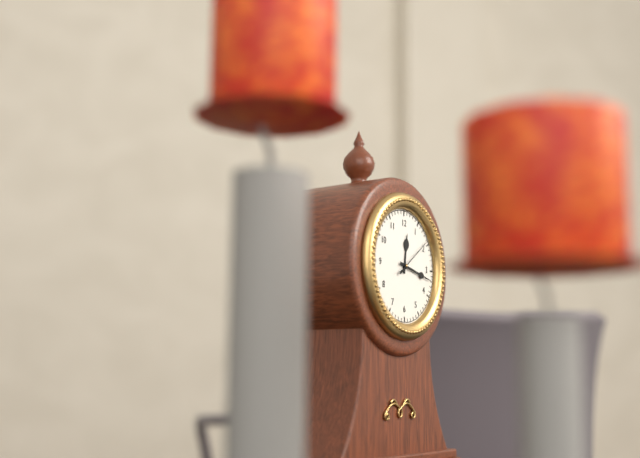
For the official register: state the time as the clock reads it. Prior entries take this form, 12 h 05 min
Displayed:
12 h 17 min
